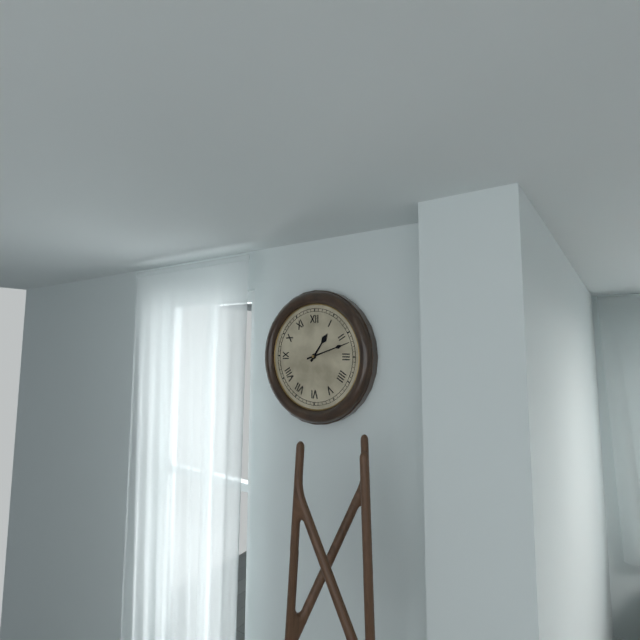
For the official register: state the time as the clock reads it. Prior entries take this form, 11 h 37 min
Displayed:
1 h 12 min
